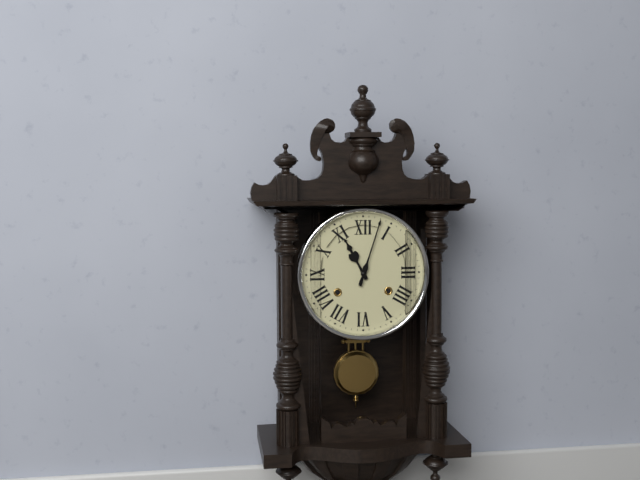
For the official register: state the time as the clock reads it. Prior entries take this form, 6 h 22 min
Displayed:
11 h 03 min
